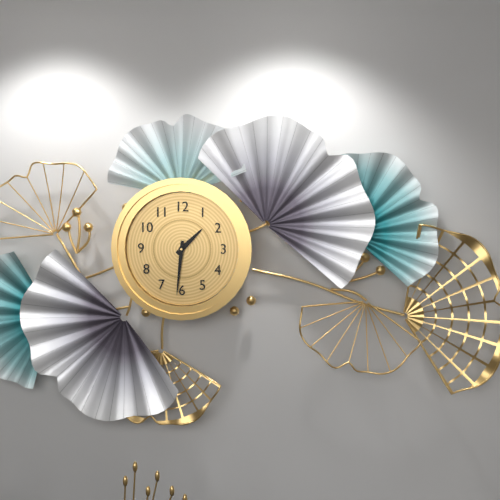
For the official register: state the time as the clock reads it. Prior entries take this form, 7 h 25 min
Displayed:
1 h 31 min
